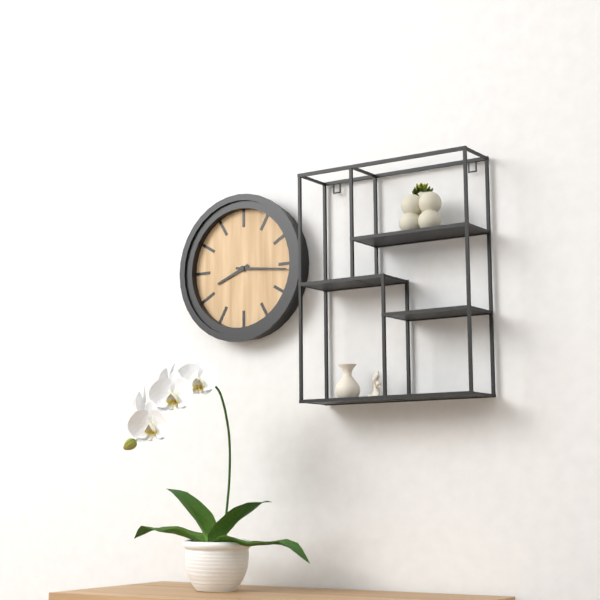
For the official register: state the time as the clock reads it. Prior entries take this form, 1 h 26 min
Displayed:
8 h 16 min
